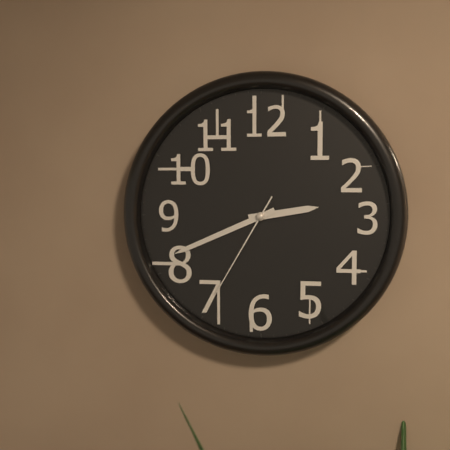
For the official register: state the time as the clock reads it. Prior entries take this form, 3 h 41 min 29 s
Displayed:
2 h 41 min 35 s
